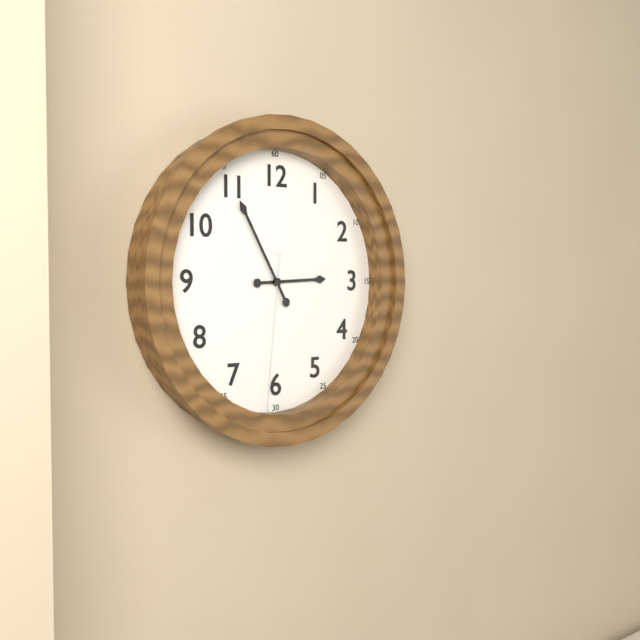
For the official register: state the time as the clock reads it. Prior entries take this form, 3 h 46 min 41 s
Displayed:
2 h 55 min 31 s
